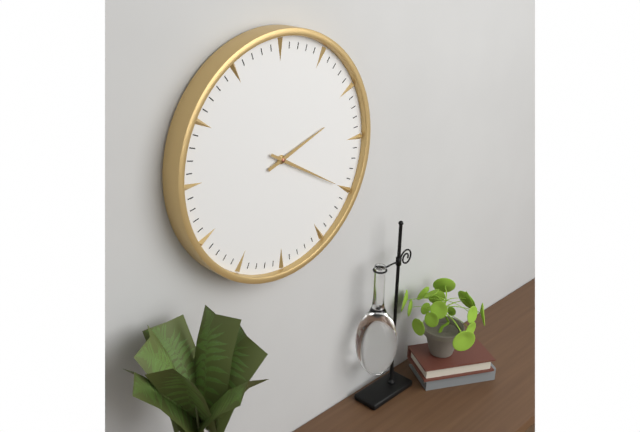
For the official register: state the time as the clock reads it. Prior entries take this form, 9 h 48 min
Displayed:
2 h 20 min
